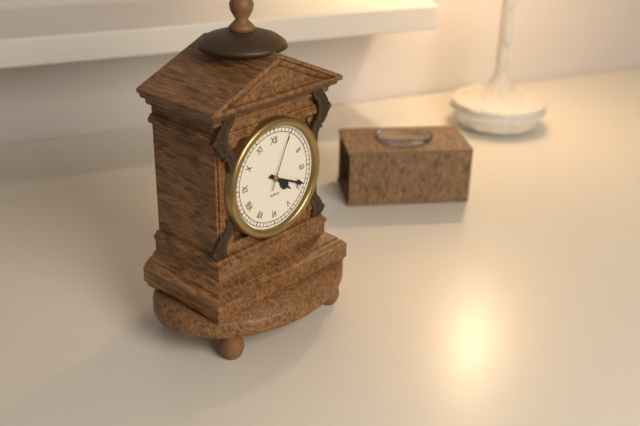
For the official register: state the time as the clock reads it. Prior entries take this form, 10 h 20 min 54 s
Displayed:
4 h 19 min 04 s
